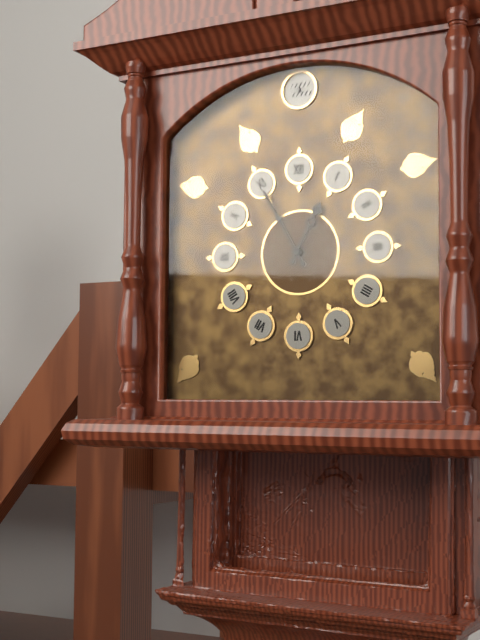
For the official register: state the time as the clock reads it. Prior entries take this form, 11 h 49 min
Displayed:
12 h 55 min
